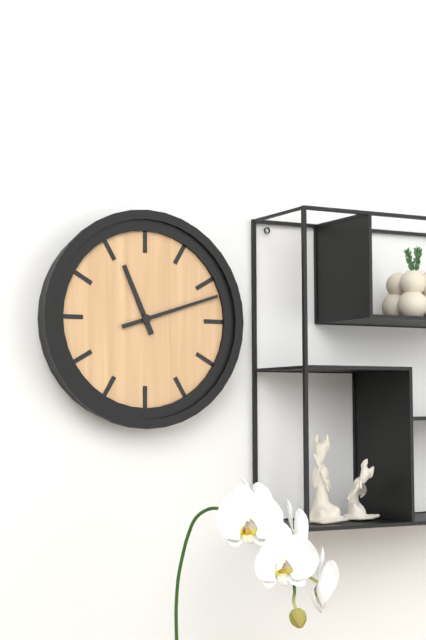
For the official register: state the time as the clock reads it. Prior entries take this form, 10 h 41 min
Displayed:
11 h 12 min
